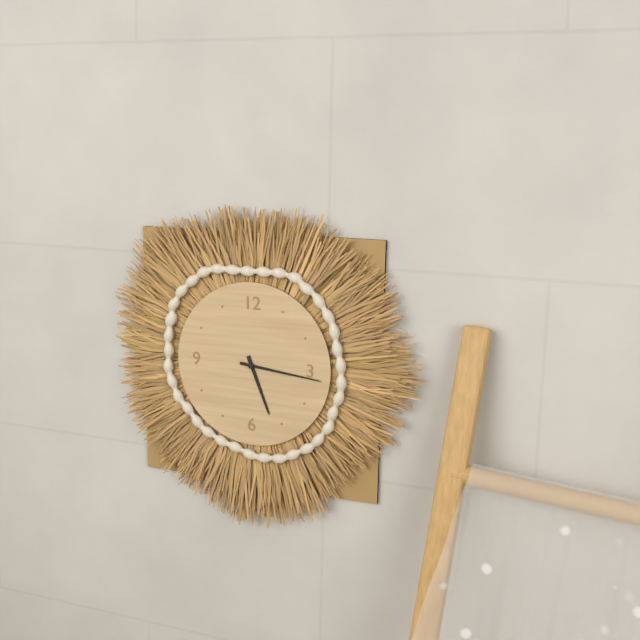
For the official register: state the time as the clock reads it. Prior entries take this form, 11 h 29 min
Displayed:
5 h 16 min
